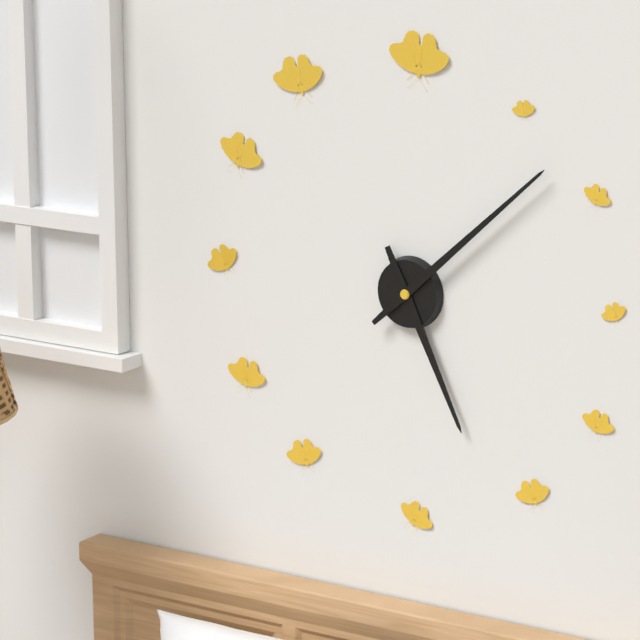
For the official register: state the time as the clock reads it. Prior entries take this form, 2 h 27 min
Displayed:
5 h 08 min
